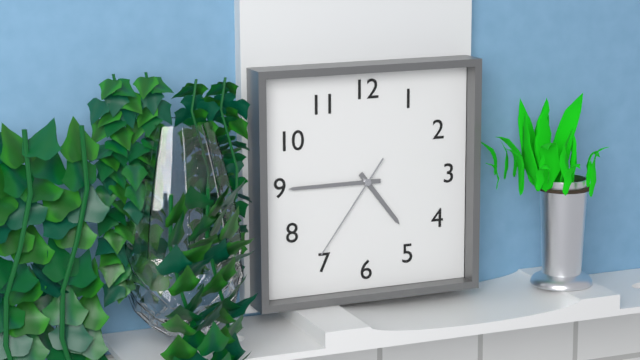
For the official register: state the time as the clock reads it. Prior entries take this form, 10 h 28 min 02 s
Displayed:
4 h 45 min 36 s
